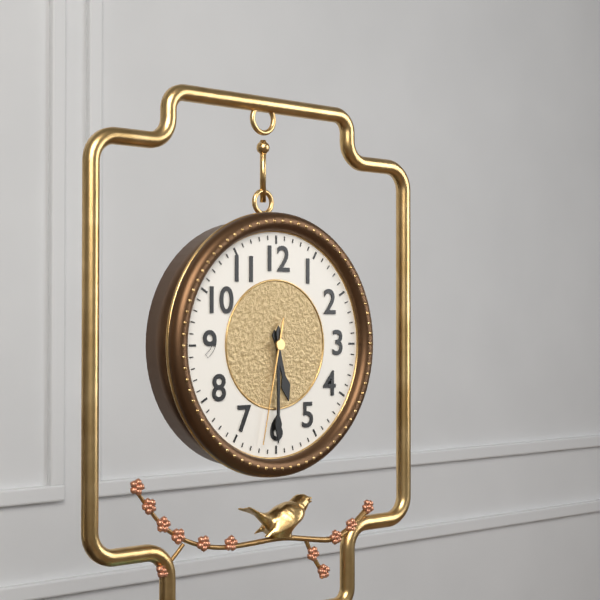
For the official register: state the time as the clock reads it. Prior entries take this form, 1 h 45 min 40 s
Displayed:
5 h 30 min 32 s
